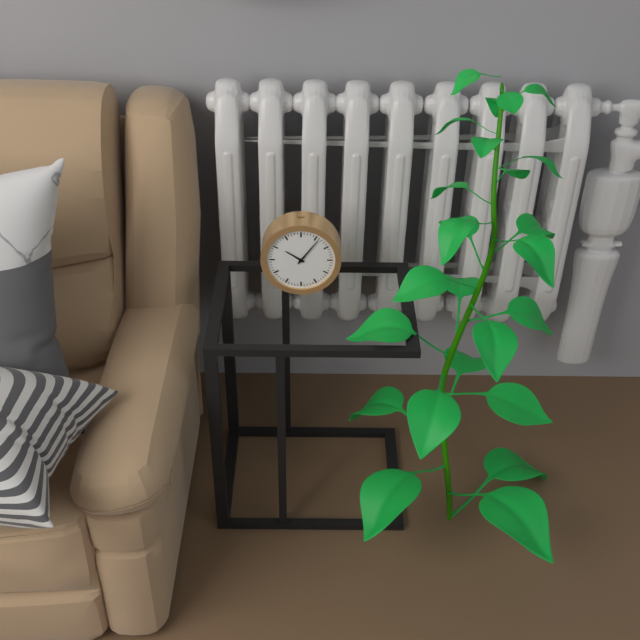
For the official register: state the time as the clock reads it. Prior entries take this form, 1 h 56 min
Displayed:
10 h 06 min
